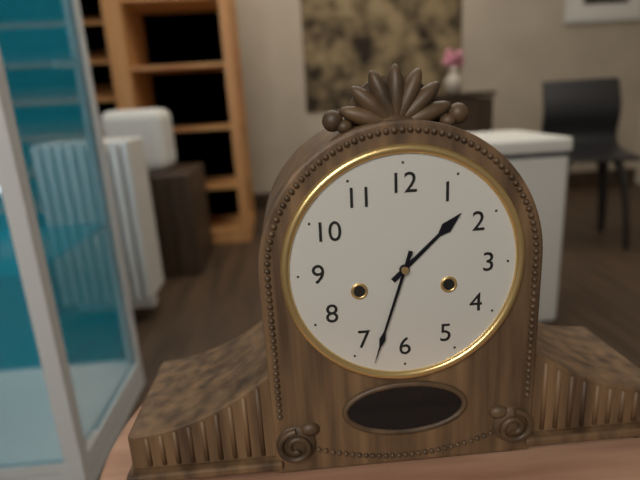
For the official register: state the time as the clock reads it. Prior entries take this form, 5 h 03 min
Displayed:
1 h 33 min
